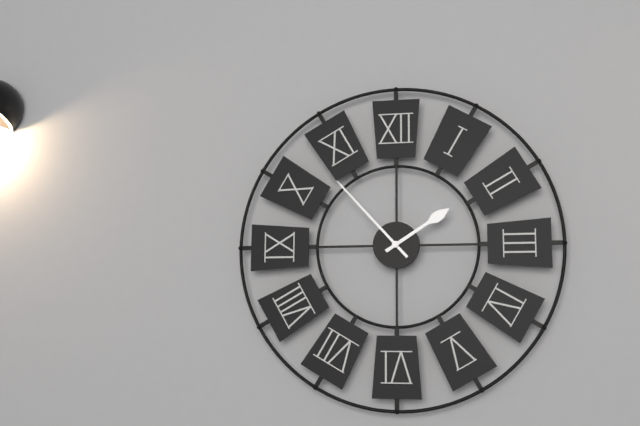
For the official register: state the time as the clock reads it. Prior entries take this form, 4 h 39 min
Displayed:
1 h 53 min
